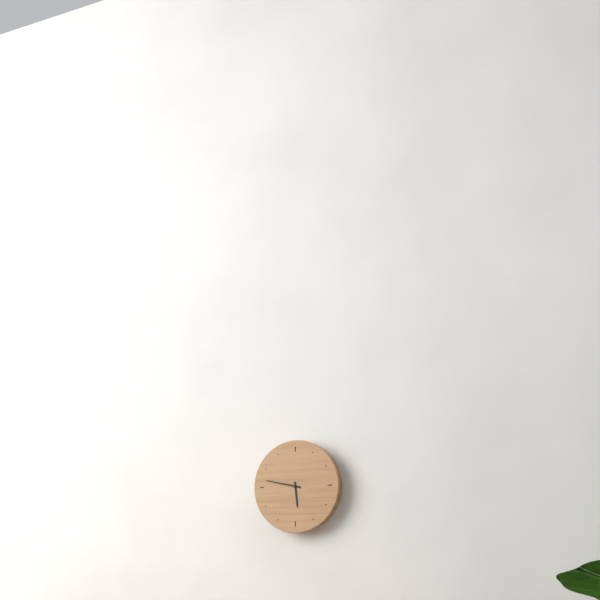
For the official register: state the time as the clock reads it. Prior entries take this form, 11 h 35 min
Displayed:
5 h 47 min
